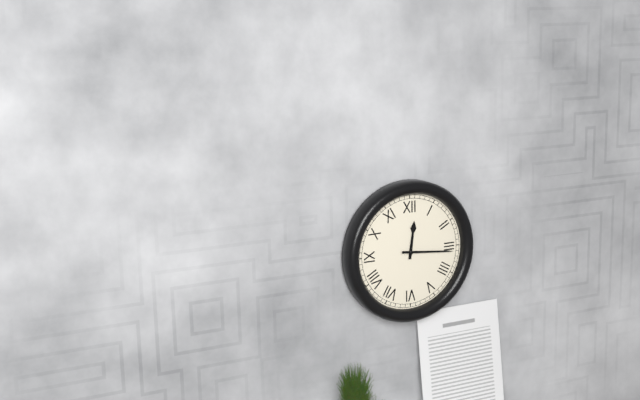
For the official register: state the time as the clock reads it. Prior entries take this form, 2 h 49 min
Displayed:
12 h 16 min
